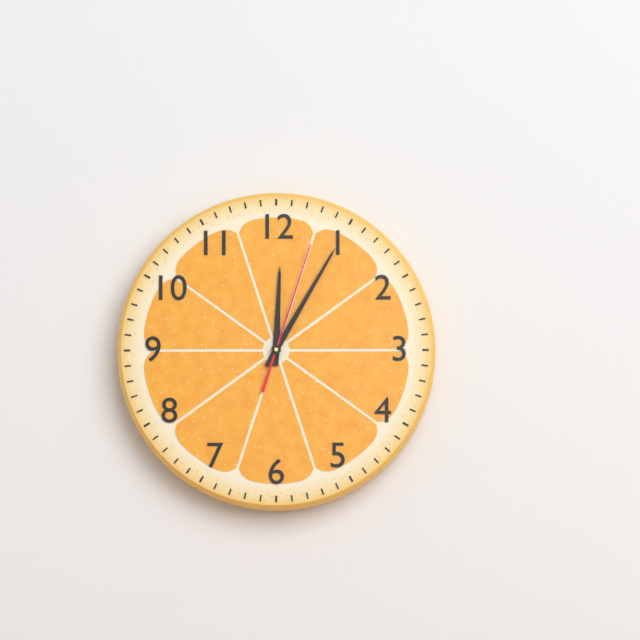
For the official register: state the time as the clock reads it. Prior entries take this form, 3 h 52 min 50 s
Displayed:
12 h 05 min 03 s
